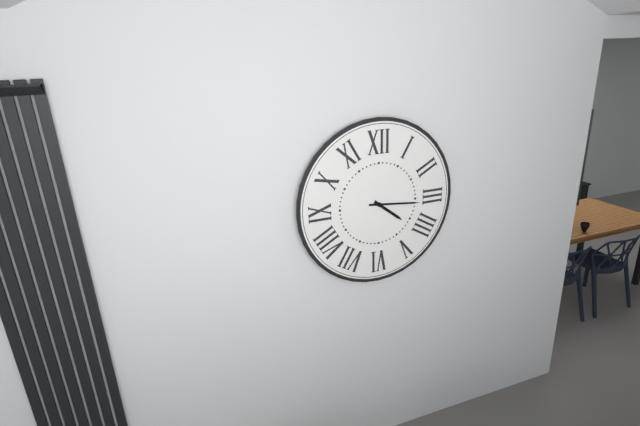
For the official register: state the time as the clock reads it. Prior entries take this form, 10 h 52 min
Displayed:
4 h 16 min
